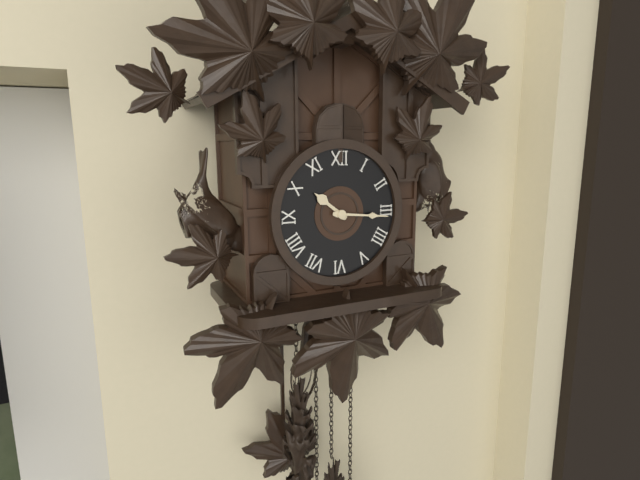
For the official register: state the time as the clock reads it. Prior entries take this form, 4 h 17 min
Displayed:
10 h 16 min
